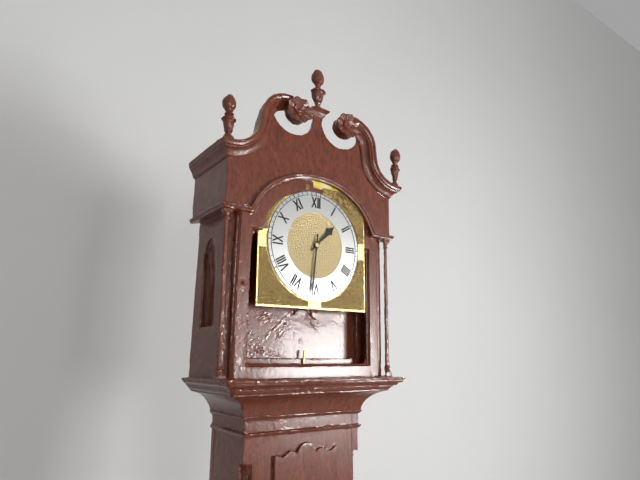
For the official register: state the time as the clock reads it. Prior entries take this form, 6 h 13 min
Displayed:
1 h 31 min
